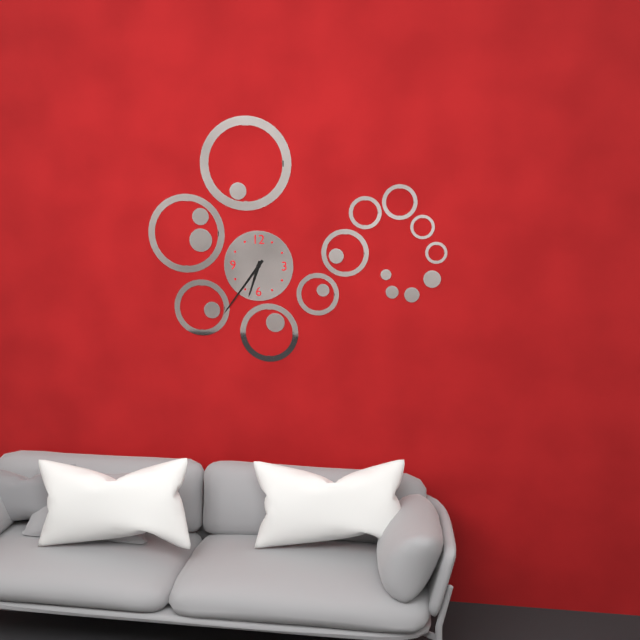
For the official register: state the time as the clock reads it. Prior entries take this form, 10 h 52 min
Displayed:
6 h 36 min
